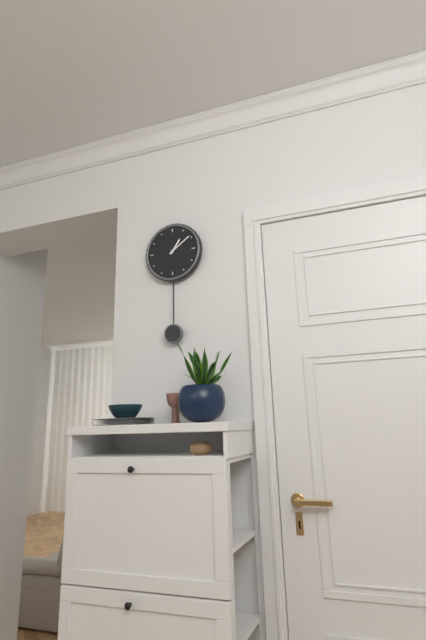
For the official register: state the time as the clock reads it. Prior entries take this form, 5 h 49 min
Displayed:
1 h 09 min
